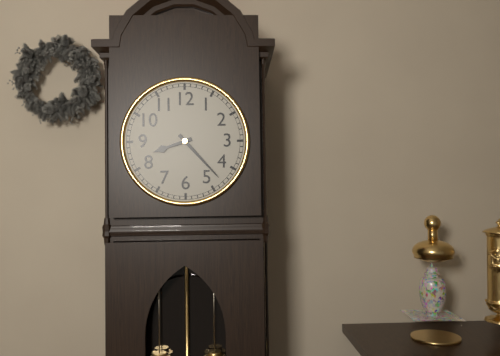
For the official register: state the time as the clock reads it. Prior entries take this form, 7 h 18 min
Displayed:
8 h 23 min
